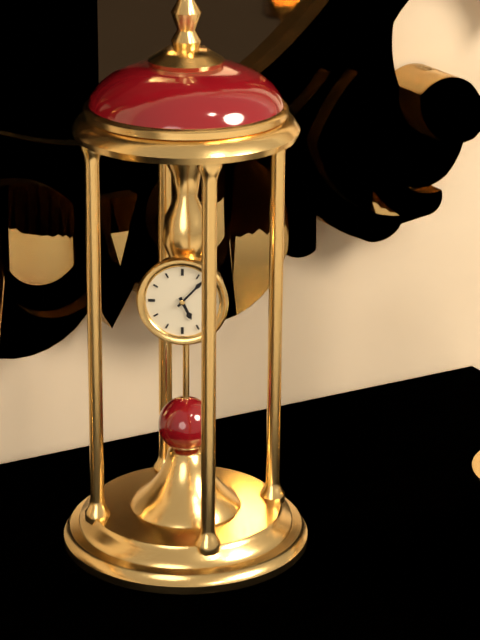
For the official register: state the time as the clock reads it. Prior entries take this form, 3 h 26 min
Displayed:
5 h 07 min
